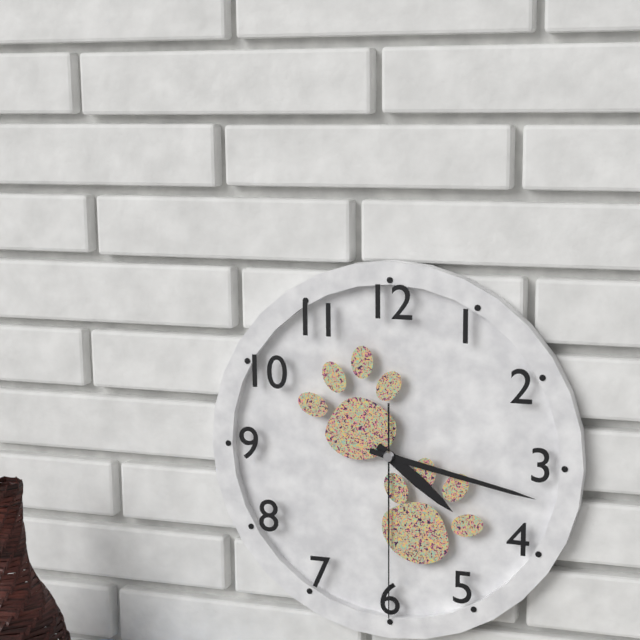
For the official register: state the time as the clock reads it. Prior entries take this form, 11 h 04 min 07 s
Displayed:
4 h 17 min 30 s
